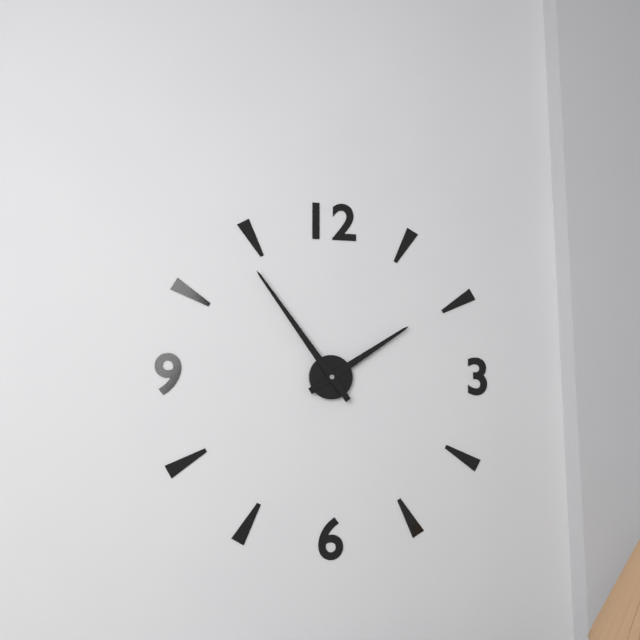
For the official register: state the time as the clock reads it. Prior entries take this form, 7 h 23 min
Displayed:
1 h 54 min
